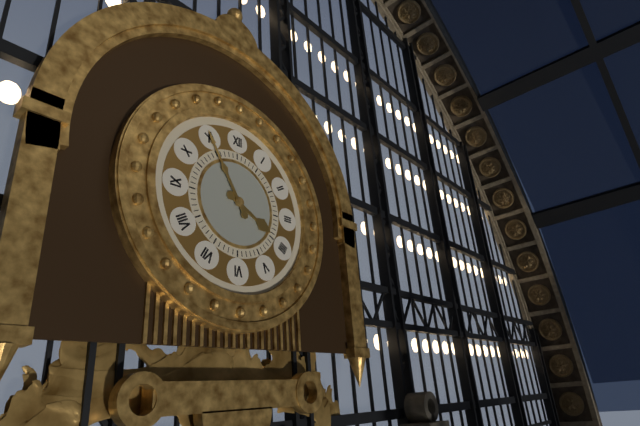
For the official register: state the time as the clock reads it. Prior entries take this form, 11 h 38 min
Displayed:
3 h 55 min
